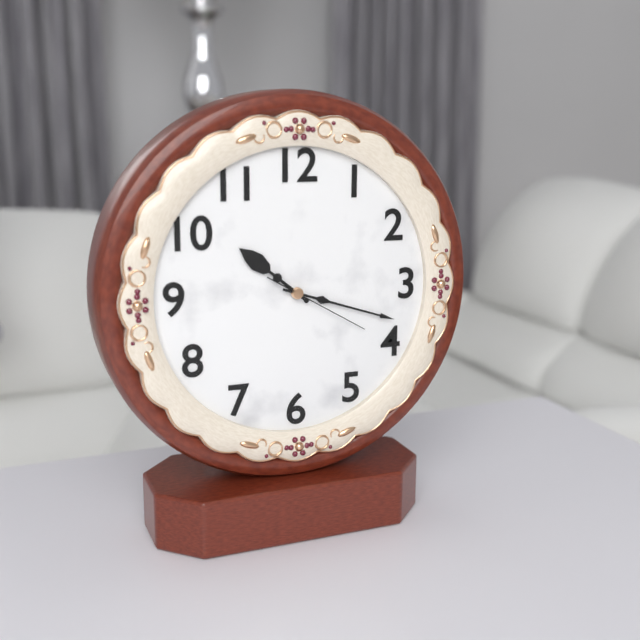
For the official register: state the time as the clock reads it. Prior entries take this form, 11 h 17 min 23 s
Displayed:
10 h 18 min 20 s
